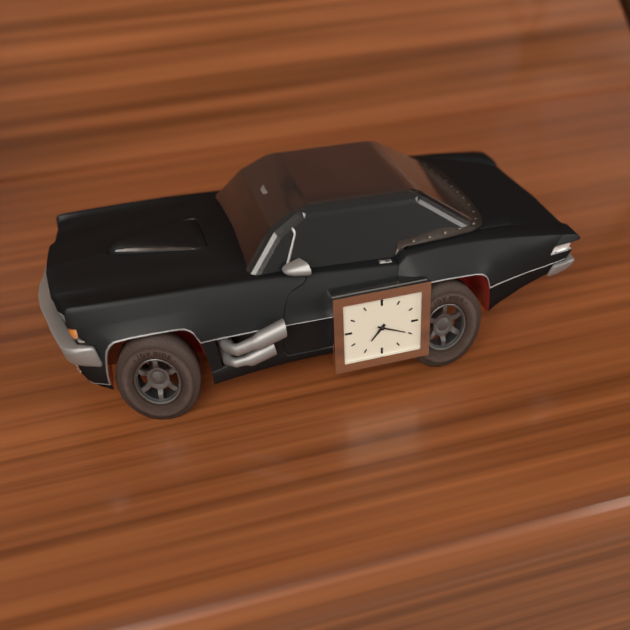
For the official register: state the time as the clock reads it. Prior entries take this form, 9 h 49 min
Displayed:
7 h 19 min
